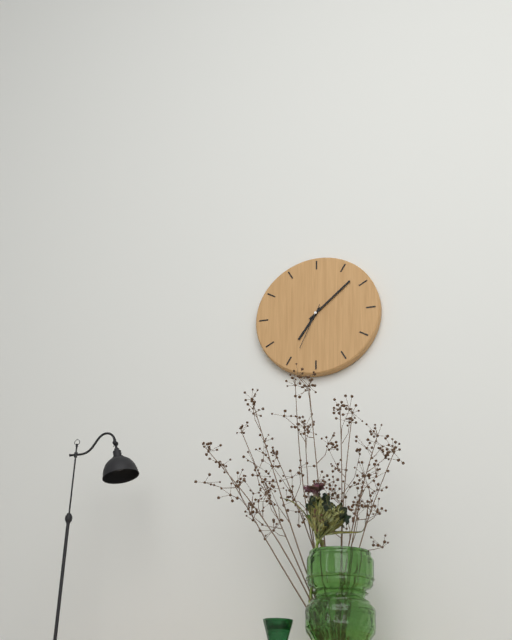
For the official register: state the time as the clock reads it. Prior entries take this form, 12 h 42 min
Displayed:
7 h 08 min
